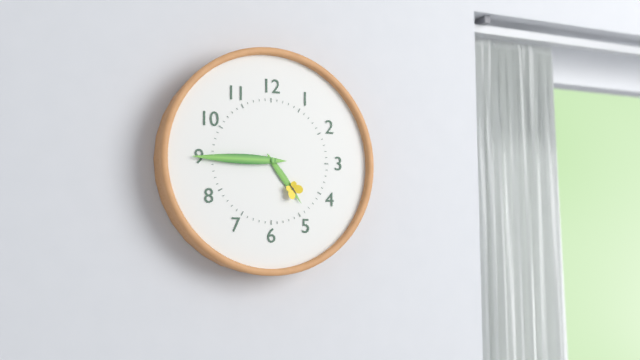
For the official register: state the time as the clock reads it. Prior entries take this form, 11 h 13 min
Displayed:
4 h 45 min
